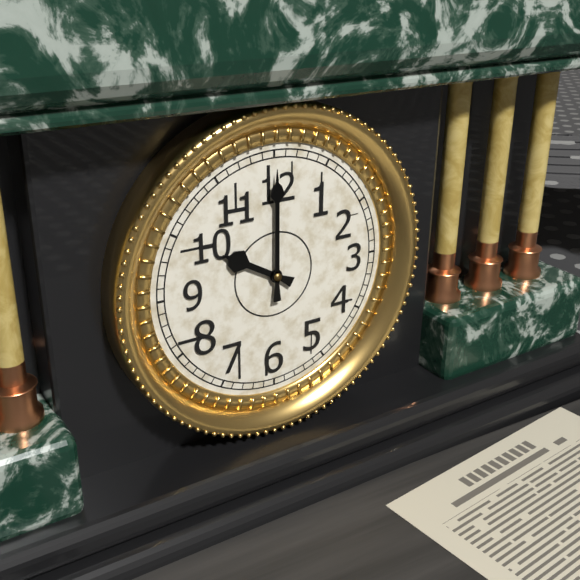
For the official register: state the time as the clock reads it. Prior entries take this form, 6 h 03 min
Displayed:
10 h 00 min
